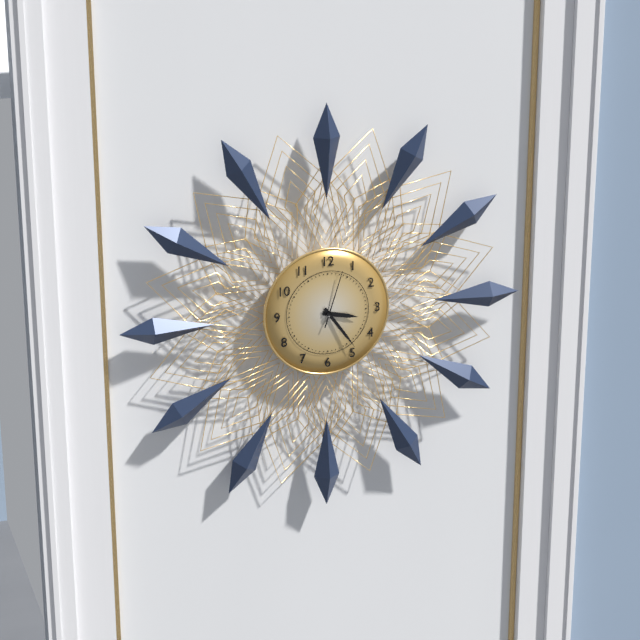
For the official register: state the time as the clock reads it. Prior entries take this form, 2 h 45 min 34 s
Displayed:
3 h 24 min 03 s
